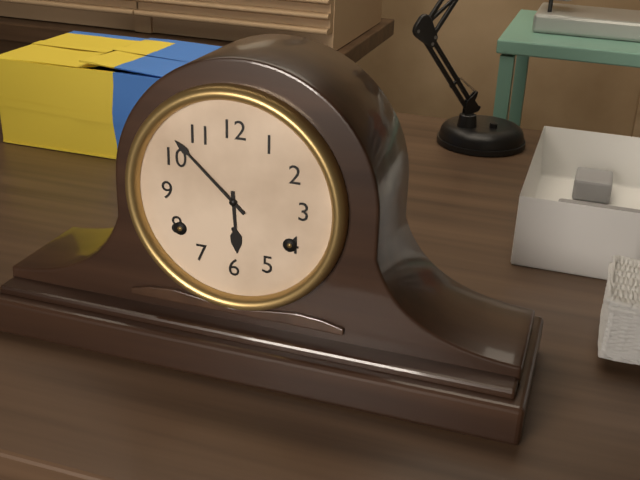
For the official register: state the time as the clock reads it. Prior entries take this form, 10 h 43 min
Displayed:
5 h 52 min
